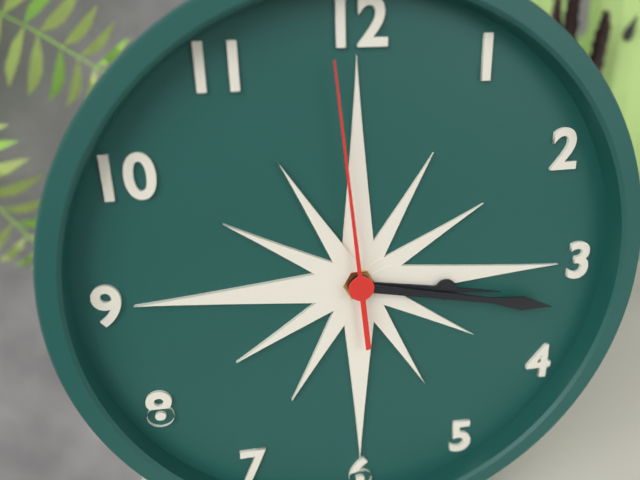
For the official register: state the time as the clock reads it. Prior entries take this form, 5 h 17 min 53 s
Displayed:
3 h 17 min 59 s
